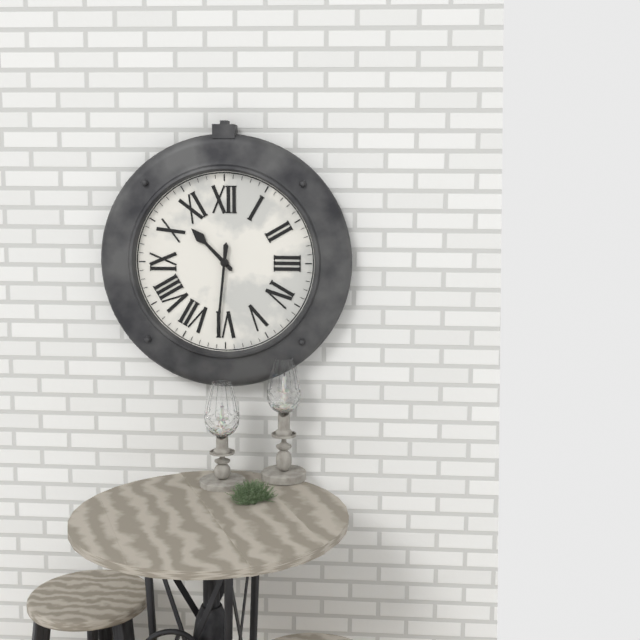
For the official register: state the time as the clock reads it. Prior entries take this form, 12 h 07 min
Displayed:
10 h 31 min
